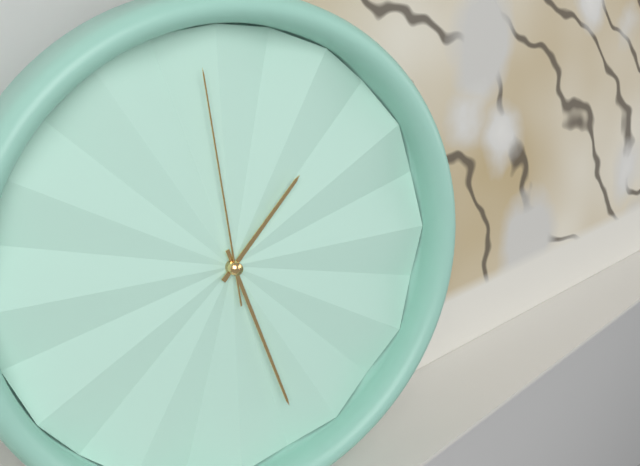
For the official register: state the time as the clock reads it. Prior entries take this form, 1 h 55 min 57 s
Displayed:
1 h 27 min 59 s
